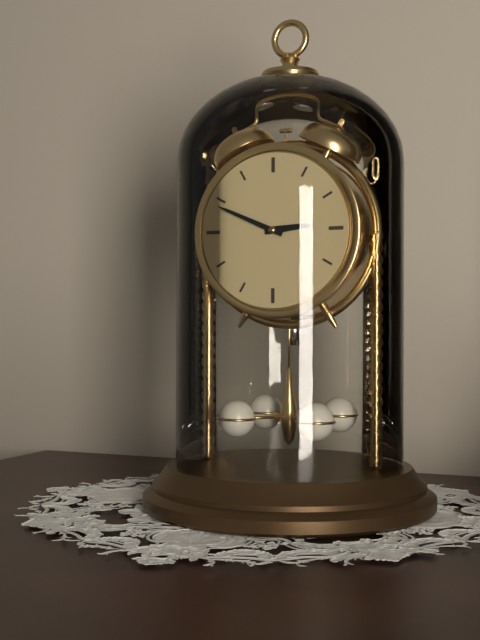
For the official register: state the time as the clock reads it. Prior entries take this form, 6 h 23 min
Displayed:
2 h 49 min
